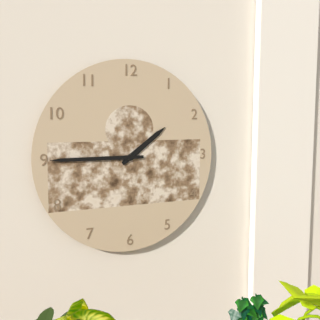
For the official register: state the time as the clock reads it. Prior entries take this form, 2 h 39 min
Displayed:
1 h 45 min
